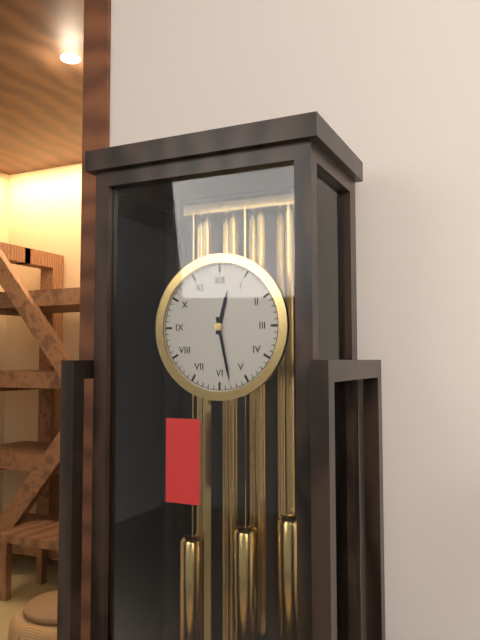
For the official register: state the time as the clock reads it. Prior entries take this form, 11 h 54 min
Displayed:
12 h 28 min
